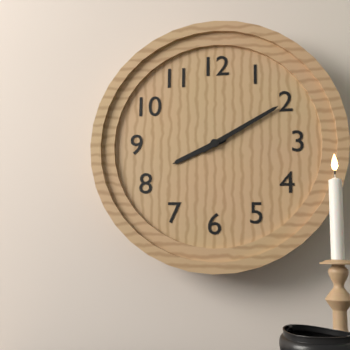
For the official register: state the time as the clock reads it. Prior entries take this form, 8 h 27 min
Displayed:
8 h 10 min
